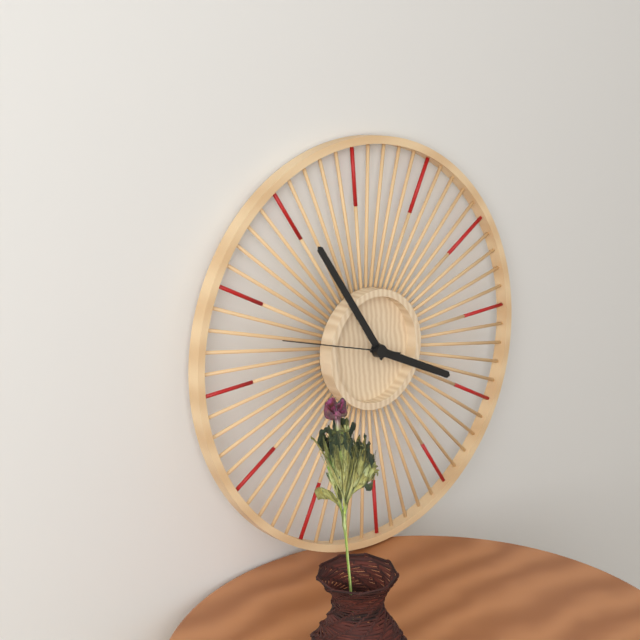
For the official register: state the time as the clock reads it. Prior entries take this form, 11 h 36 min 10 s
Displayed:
3 h 55 min 48 s
